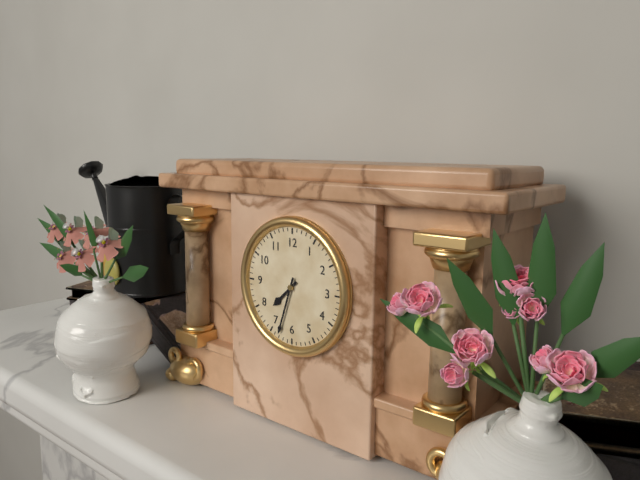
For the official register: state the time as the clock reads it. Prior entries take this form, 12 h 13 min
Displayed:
7 h 33 min
